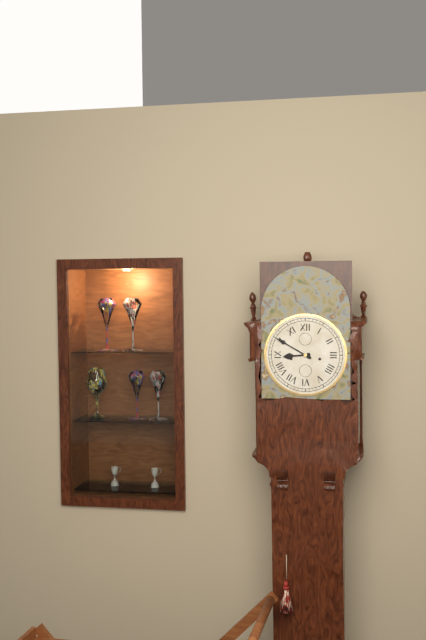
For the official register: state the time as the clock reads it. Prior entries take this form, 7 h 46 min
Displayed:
8 h 50 min
